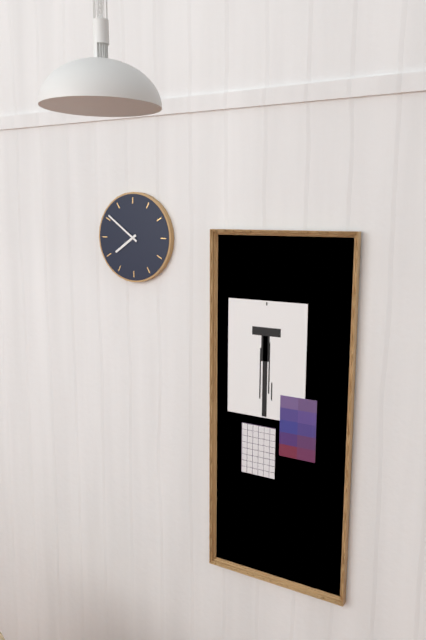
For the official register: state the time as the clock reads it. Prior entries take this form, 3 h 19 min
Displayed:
7 h 51 min
